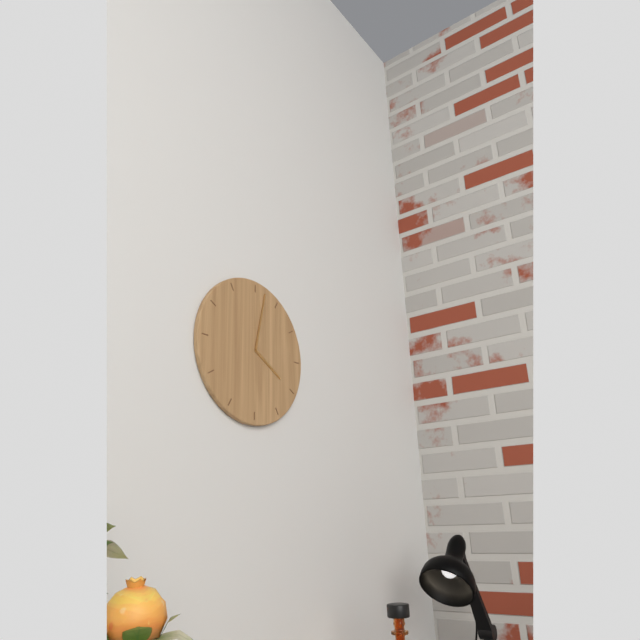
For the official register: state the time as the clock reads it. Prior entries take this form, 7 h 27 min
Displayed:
4 h 02 min
